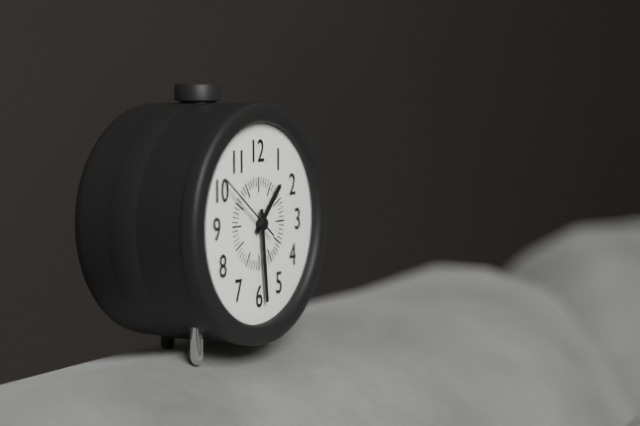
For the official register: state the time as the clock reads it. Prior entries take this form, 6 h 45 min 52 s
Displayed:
1 h 29 min 51 s
